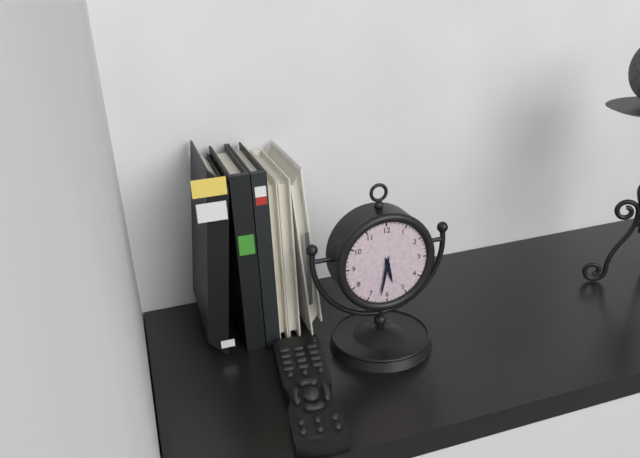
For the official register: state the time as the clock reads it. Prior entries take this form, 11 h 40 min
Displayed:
5 h 32 min
